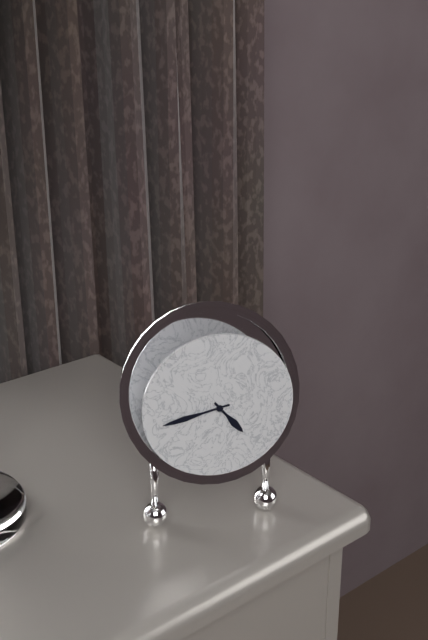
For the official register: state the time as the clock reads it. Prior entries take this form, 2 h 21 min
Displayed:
4 h 43 min
